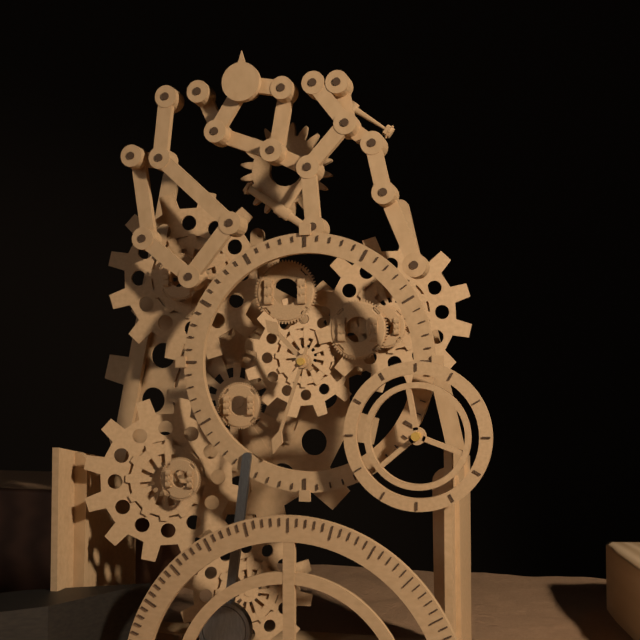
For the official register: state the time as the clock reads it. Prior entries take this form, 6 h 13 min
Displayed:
10 h 33 min
